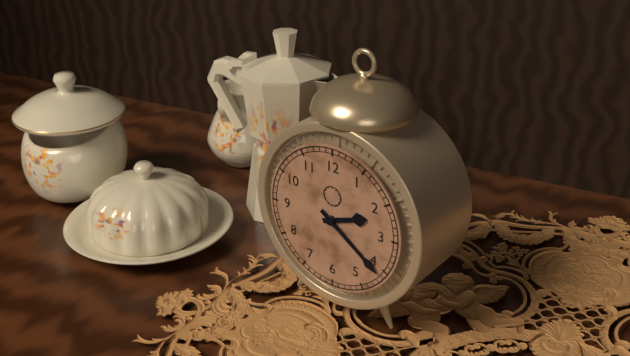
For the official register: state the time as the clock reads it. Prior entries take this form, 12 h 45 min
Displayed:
2 h 21 min
